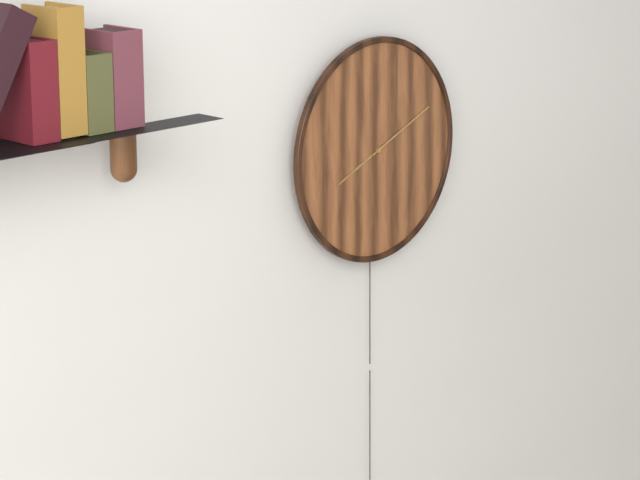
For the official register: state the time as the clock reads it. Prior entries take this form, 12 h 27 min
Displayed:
8 h 11 min
